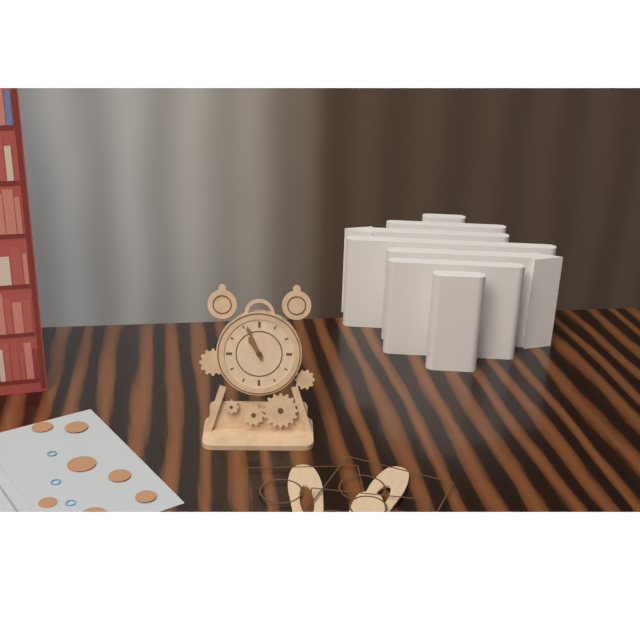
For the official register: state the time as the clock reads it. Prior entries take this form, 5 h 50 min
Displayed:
10 h 56 min
